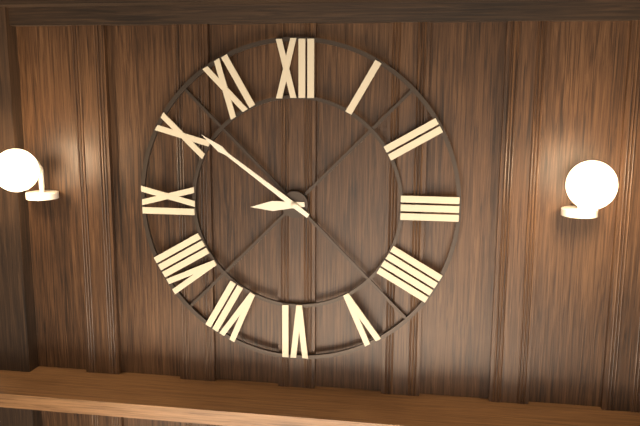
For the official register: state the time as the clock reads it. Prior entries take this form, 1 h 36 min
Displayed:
8 h 51 min
